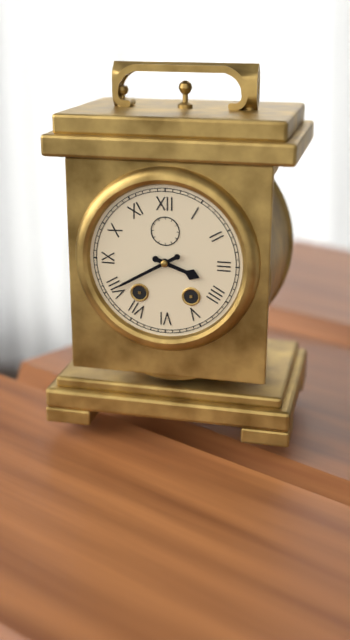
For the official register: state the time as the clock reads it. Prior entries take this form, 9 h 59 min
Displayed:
3 h 40 min
